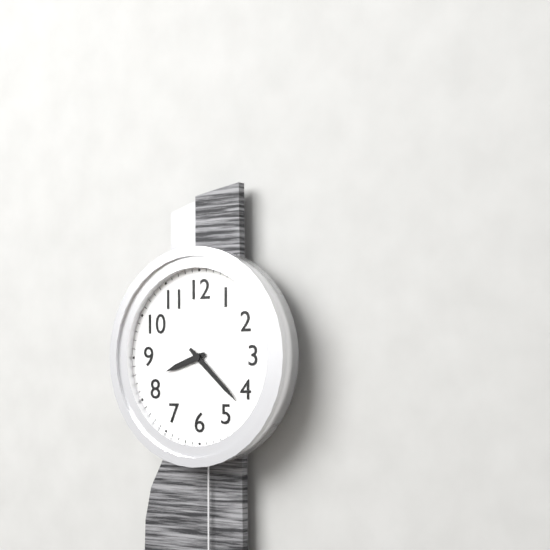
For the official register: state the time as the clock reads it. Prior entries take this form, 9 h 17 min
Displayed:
8 h 22 min
